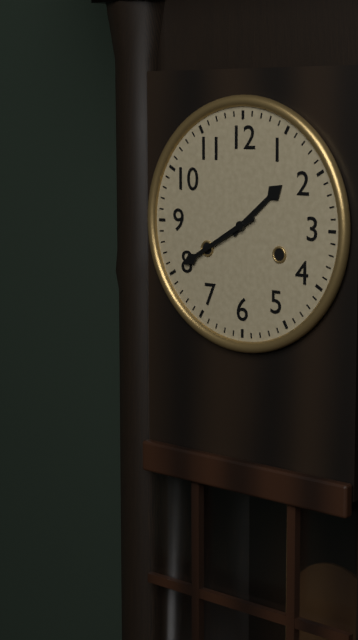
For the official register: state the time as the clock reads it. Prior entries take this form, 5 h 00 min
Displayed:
1 h 40 min
